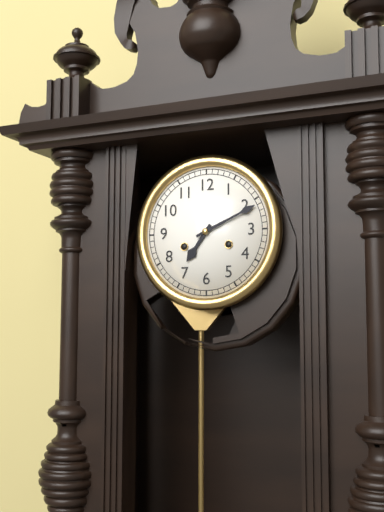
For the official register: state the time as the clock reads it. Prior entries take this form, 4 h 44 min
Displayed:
7 h 11 min
